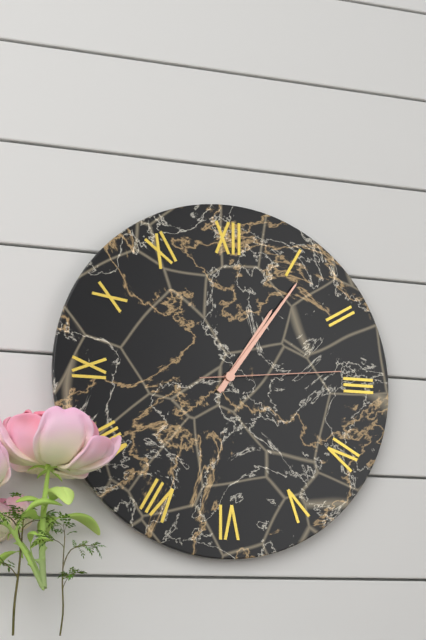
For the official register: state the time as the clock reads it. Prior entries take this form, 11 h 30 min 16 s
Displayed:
1 h 06 min 14 s
